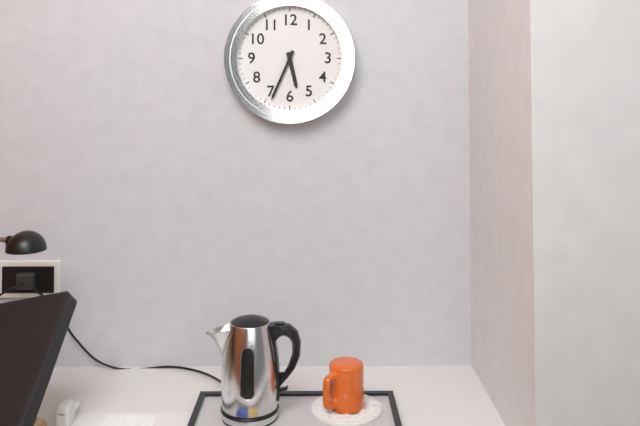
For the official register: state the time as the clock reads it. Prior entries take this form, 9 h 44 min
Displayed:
5 h 34 min
